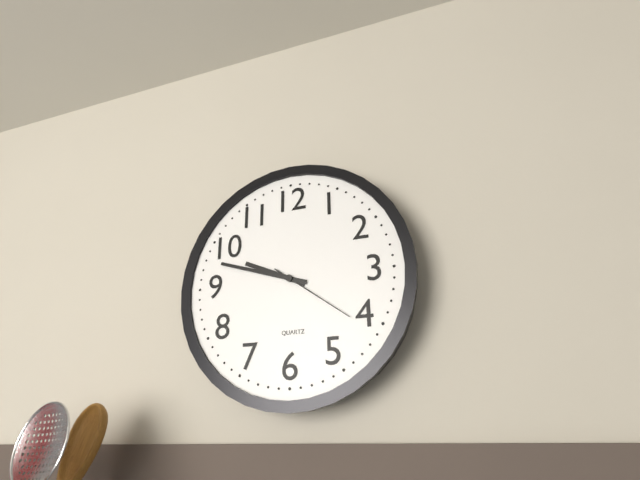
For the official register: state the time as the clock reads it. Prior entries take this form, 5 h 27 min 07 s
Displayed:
9 h 48 min 21 s
